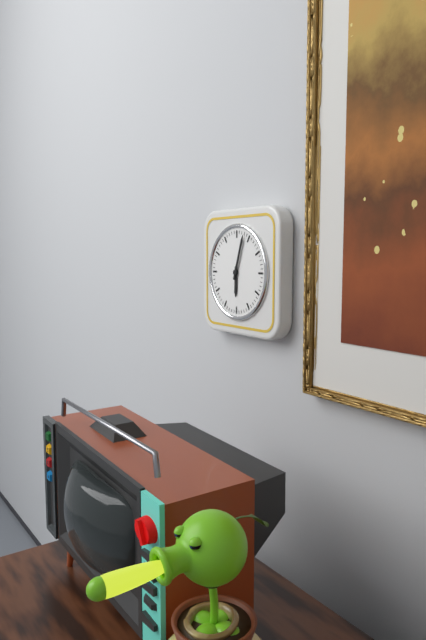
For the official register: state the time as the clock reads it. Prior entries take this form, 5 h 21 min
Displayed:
6 h 03 min
